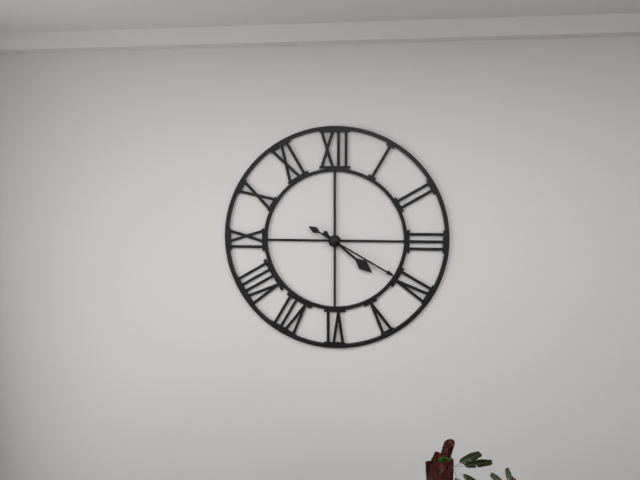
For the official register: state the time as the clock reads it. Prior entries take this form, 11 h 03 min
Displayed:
4 h 20 min
